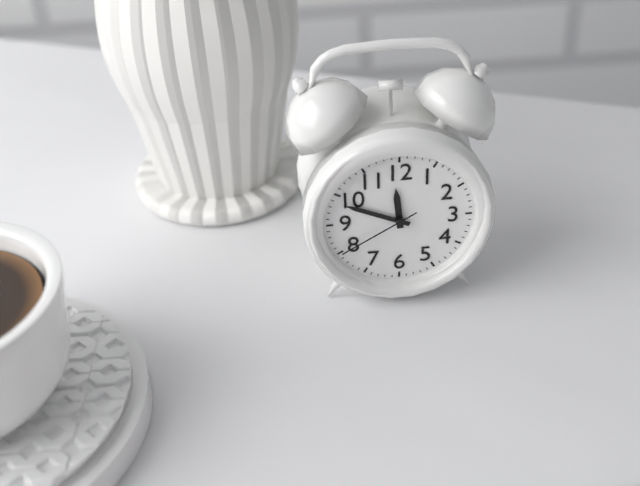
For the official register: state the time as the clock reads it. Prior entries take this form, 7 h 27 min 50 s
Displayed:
11 h 49 min 40 s
